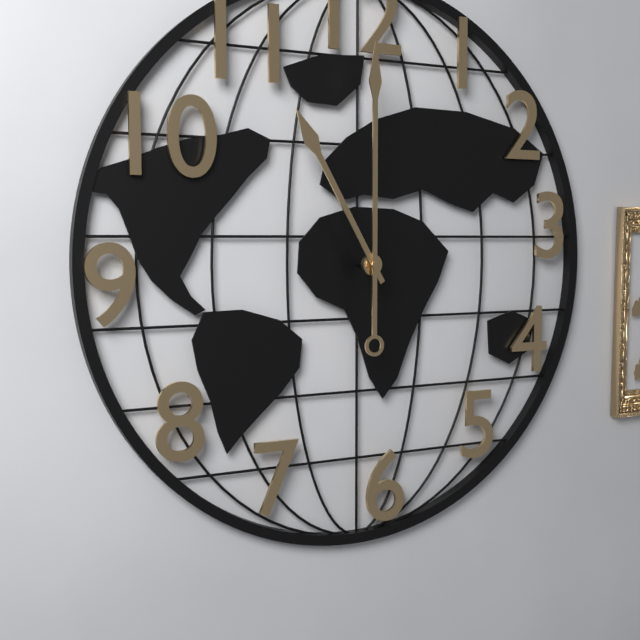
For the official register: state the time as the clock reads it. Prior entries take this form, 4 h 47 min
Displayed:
11 h 00 min
